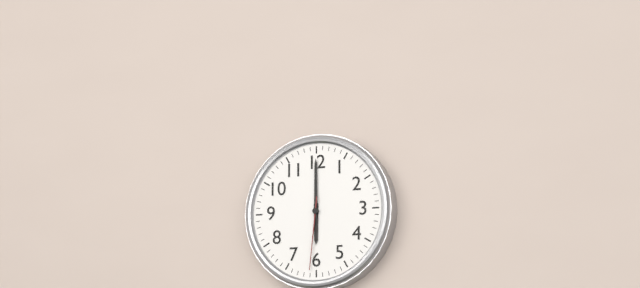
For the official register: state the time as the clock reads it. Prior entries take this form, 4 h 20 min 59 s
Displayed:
6 h 00 min 31 s
